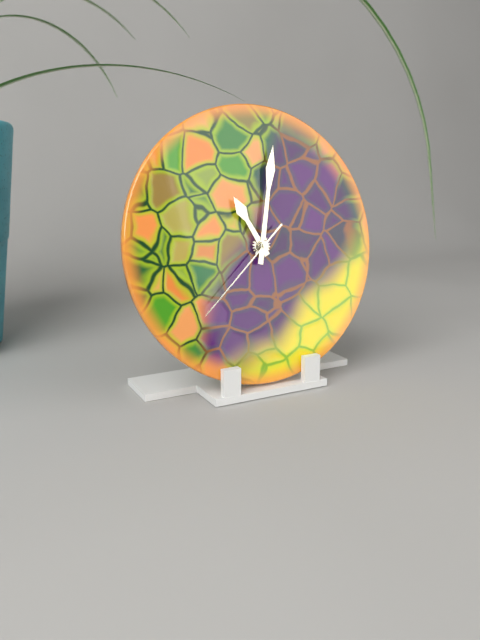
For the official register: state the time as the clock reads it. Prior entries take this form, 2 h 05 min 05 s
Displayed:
11 h 02 min 38 s
